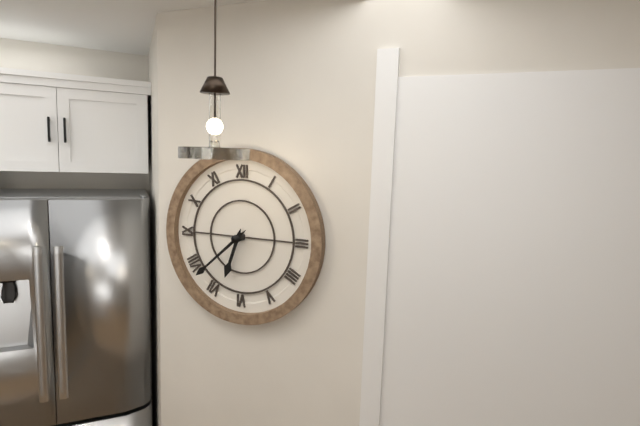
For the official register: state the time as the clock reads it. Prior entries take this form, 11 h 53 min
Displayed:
6 h 38 min
